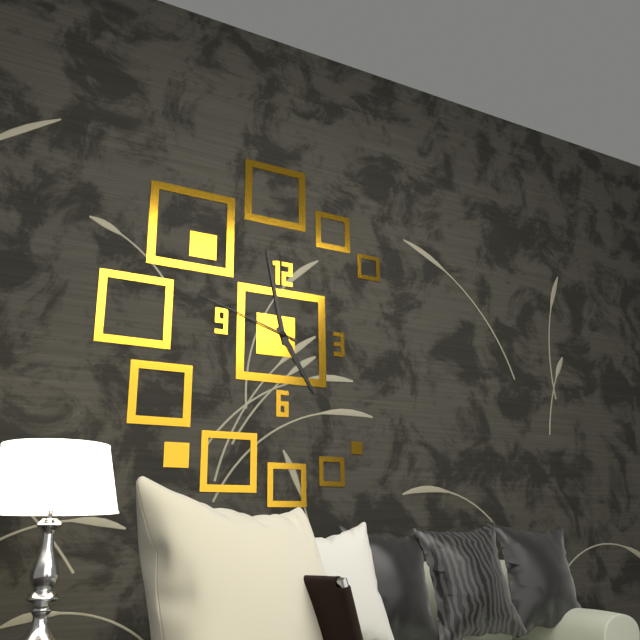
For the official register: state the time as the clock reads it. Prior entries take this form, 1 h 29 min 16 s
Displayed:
4 h 58 min 48 s
